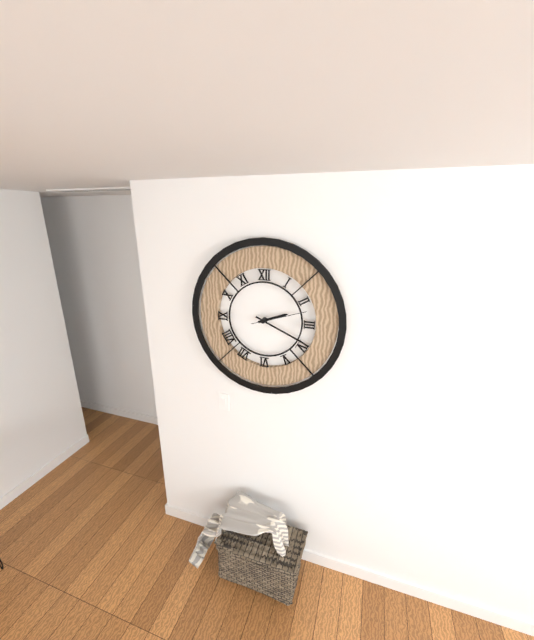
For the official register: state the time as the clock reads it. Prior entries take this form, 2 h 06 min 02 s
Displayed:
2 h 19 min 12 s
